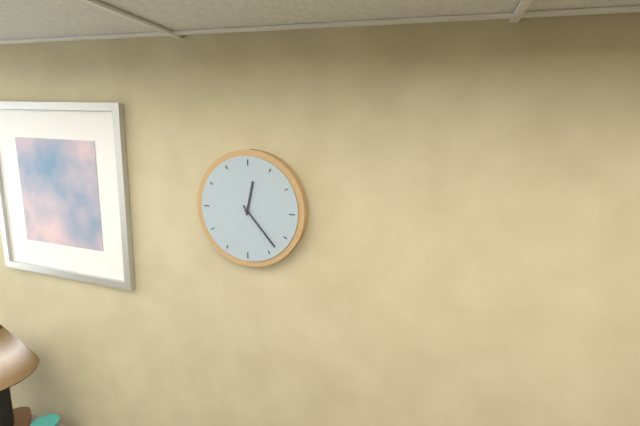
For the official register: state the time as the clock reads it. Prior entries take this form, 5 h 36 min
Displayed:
12 h 23 min
